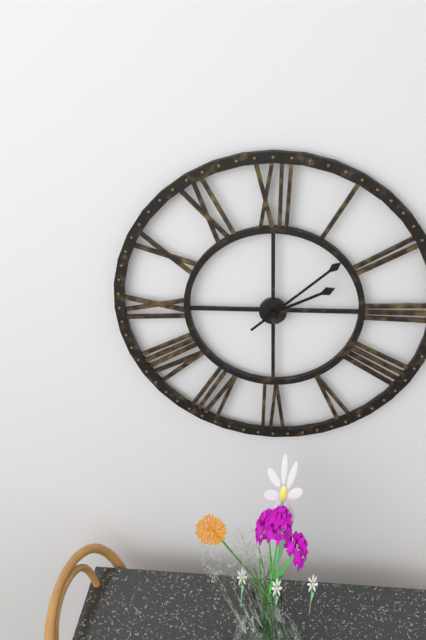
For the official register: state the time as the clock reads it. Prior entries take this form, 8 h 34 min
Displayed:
2 h 08 min
